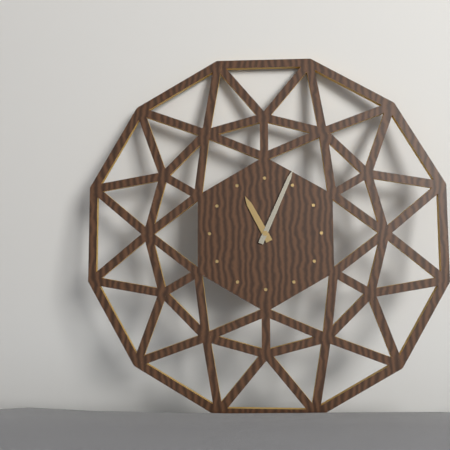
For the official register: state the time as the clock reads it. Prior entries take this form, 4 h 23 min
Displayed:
11 h 04 min
